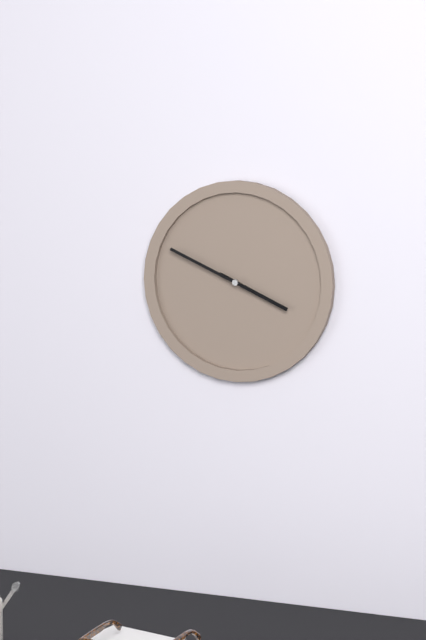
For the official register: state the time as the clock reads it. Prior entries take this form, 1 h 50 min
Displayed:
3 h 49 min
